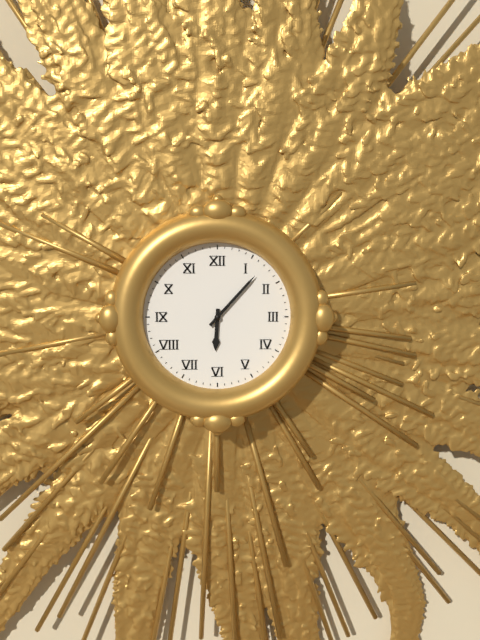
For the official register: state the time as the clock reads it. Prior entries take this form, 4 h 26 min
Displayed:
6 h 07 min
